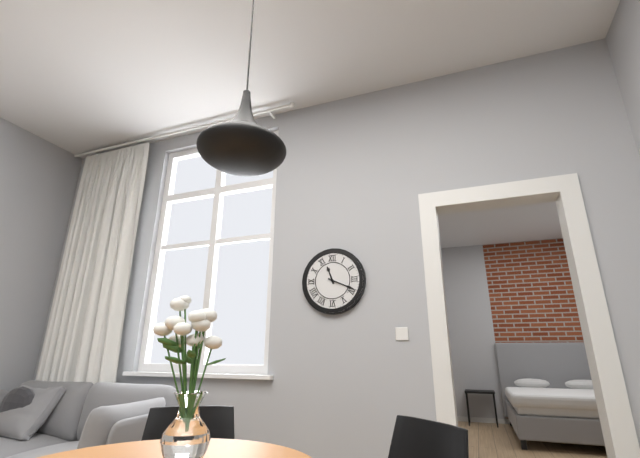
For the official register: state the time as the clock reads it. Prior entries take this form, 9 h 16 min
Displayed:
11 h 19 min
